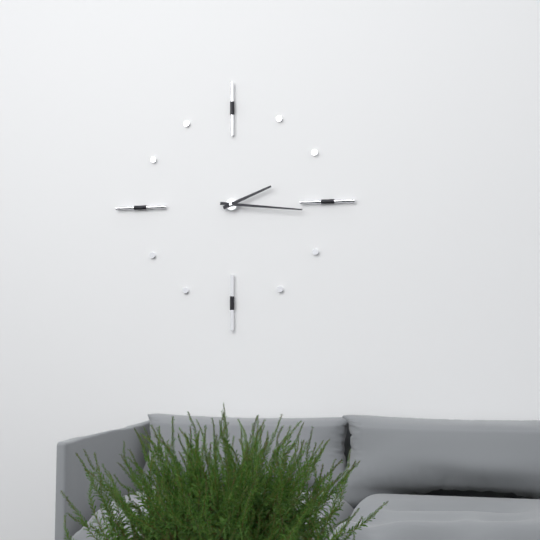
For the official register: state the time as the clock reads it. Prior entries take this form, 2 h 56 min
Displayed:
2 h 16 min
